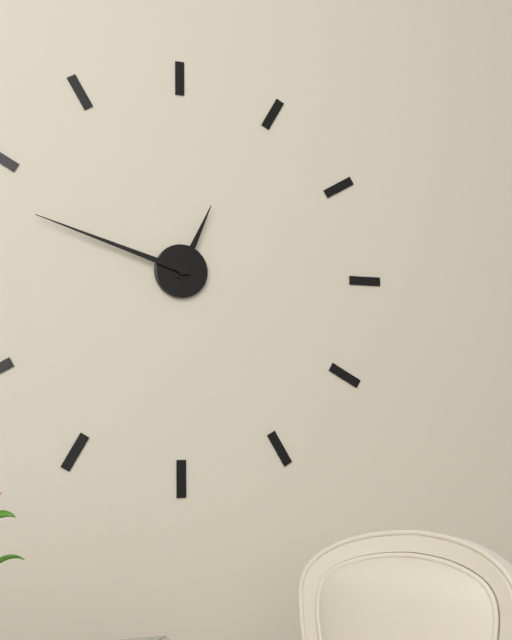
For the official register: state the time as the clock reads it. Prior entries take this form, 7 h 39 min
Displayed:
12 h 48 min
